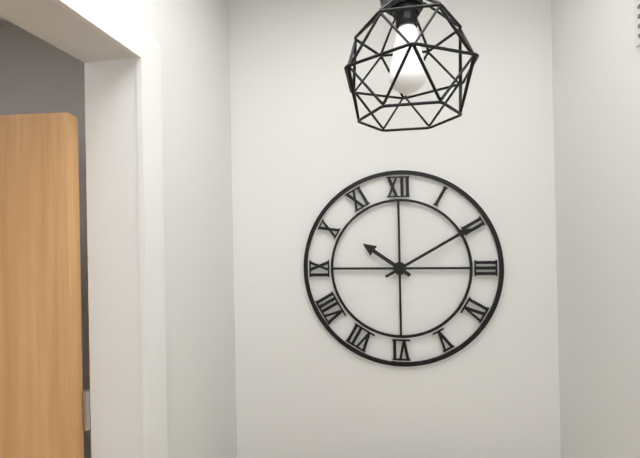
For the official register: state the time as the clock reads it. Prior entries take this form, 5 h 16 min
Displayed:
10 h 10 min
